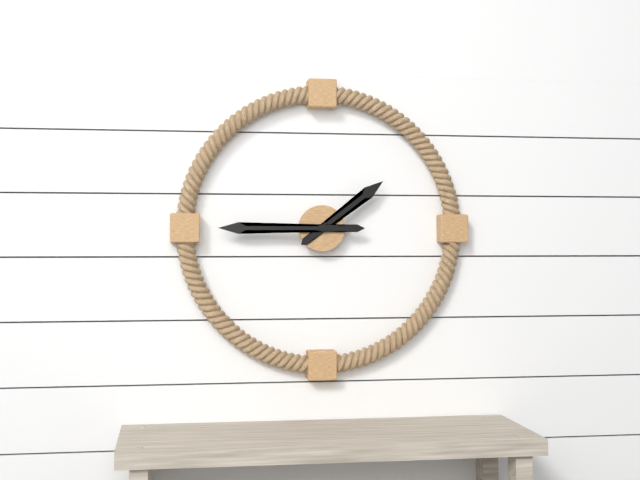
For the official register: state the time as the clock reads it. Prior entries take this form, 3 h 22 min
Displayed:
1 h 45 min
